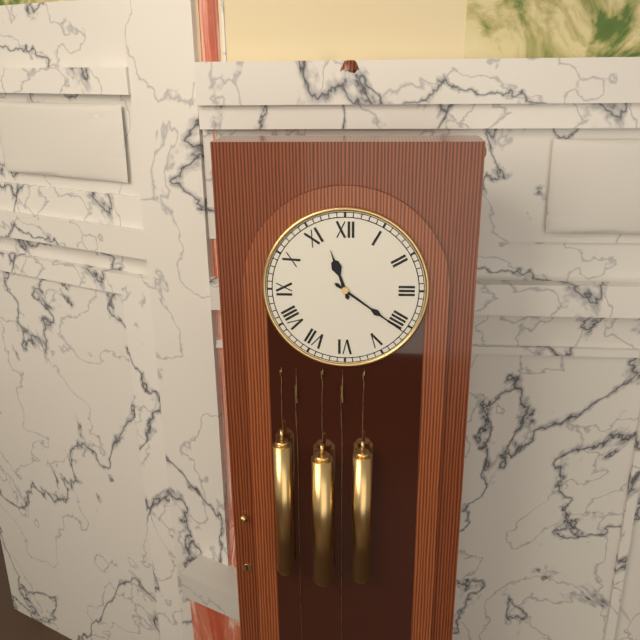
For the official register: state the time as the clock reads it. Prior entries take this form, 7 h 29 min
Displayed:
11 h 21 min
